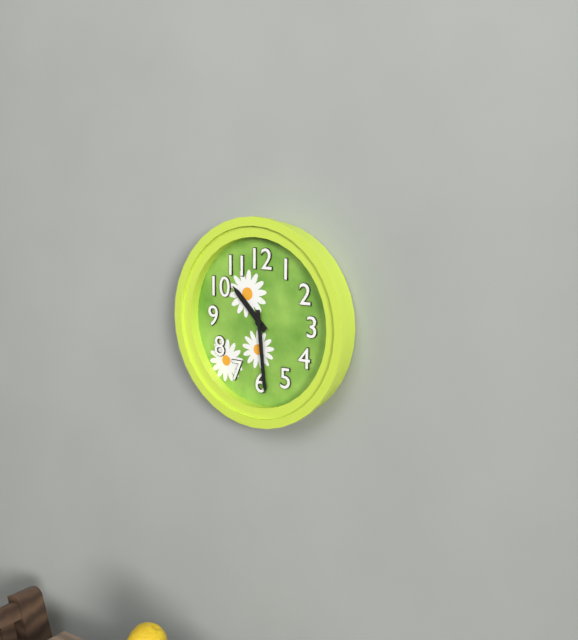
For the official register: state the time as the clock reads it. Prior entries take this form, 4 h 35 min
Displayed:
10 h 29 min
